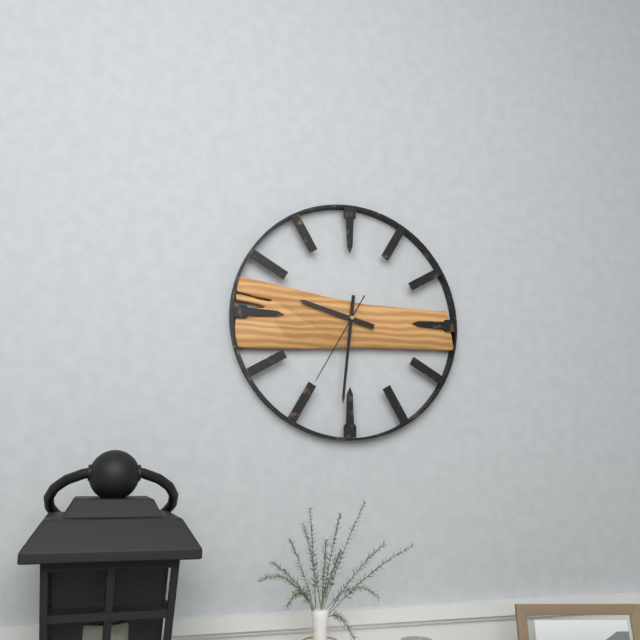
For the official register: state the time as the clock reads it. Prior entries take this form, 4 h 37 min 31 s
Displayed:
9 h 31 min 35 s
